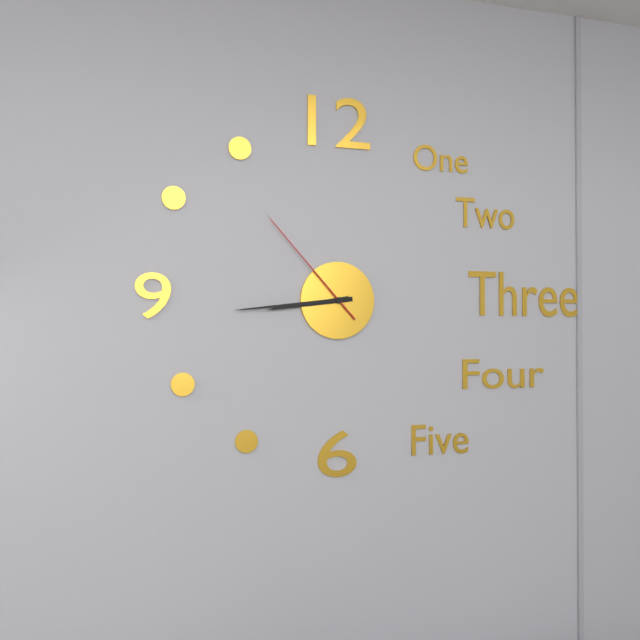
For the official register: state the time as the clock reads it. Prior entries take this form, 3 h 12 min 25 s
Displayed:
8 h 44 min 53 s
